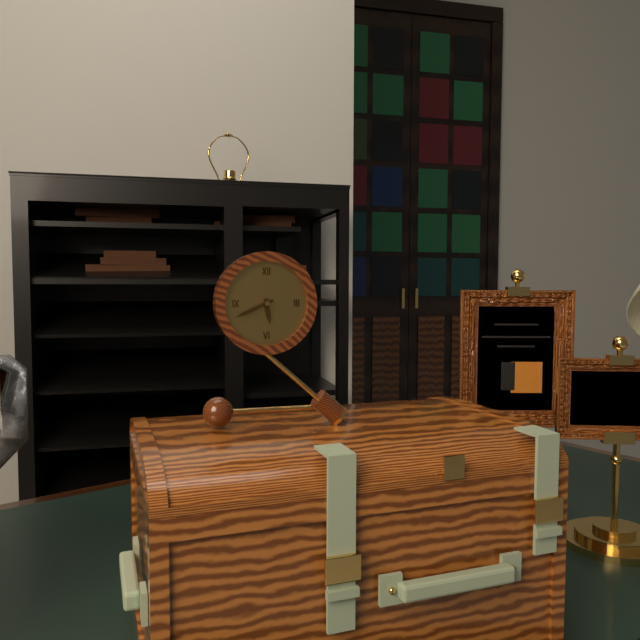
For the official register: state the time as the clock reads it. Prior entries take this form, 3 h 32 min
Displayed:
5 h 41 min
